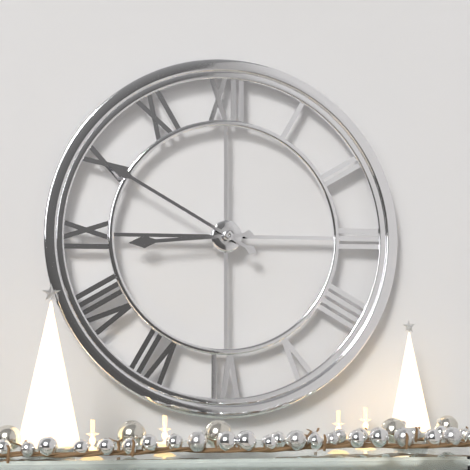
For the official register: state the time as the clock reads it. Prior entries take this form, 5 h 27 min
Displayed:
8 h 50 min
